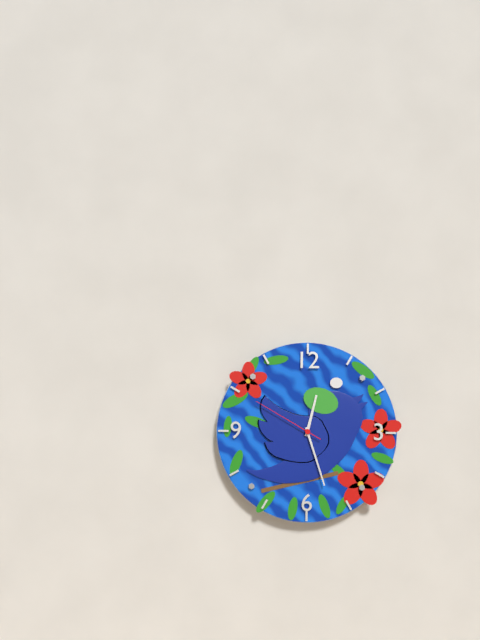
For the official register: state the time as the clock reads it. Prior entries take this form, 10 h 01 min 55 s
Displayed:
12 h 27 min 50 s
